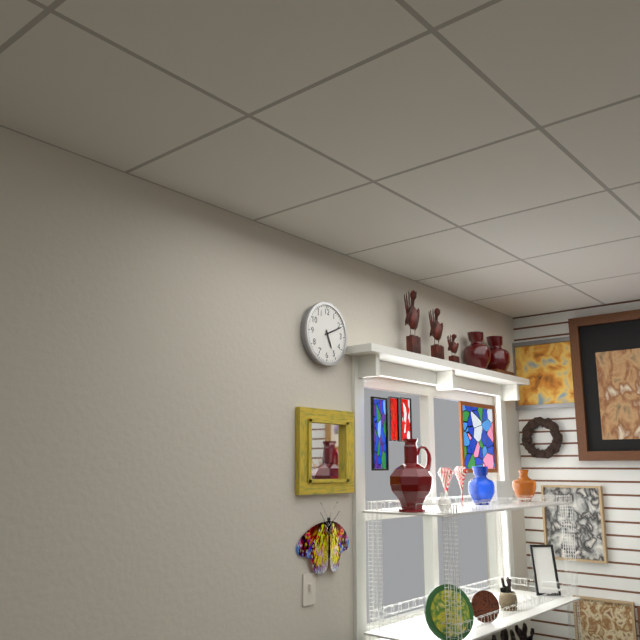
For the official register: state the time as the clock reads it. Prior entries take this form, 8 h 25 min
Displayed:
5 h 11 min
